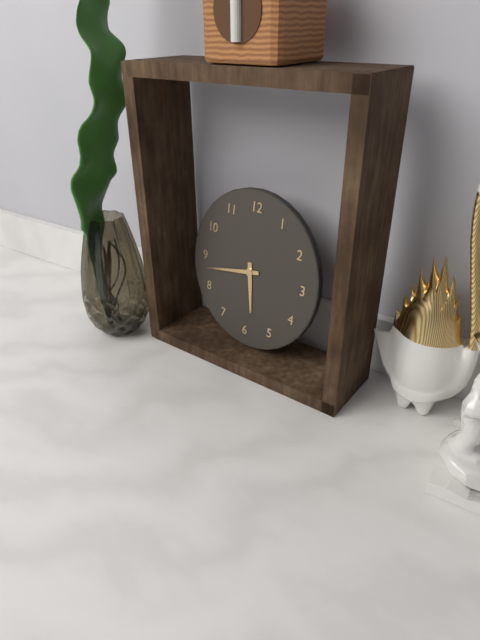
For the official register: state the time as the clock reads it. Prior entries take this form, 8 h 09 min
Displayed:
5 h 43 min
